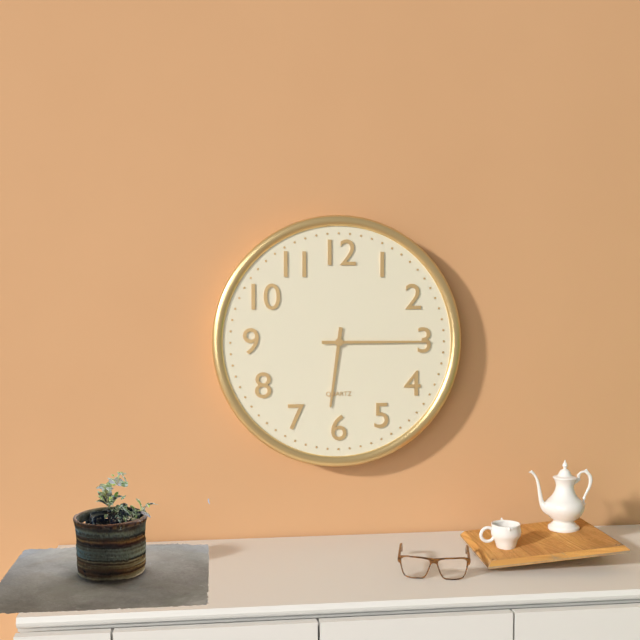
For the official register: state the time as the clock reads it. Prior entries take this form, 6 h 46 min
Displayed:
6 h 15 min
